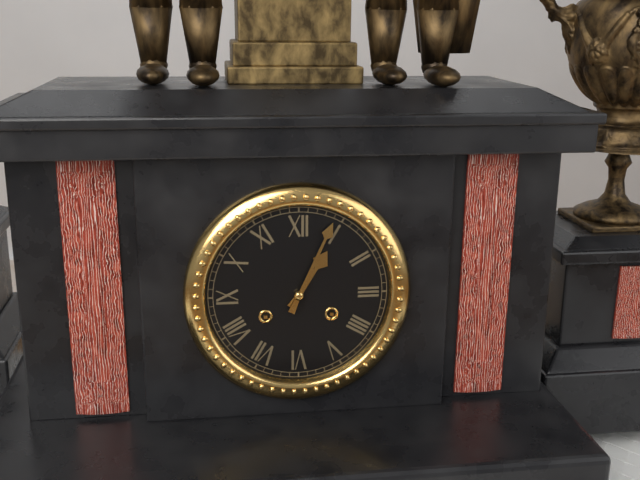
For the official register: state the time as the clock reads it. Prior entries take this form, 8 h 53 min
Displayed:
1 h 04 min
